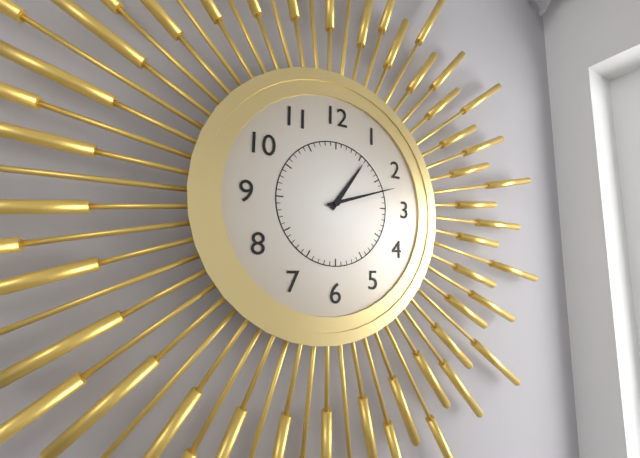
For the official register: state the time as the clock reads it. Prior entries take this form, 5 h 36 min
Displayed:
1 h 12 min
